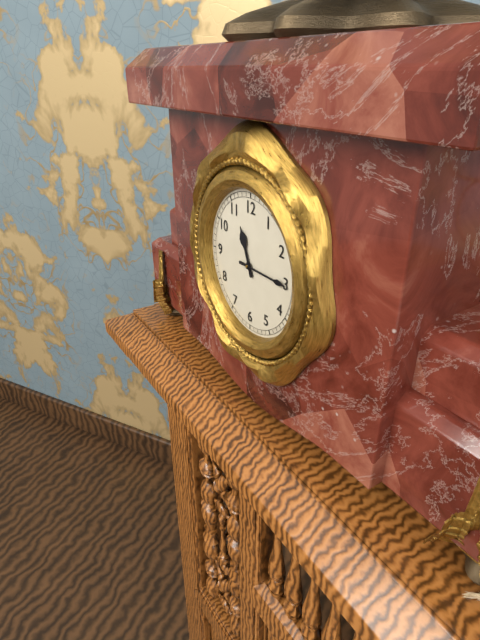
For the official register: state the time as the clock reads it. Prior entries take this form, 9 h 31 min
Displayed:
11 h 15 min
